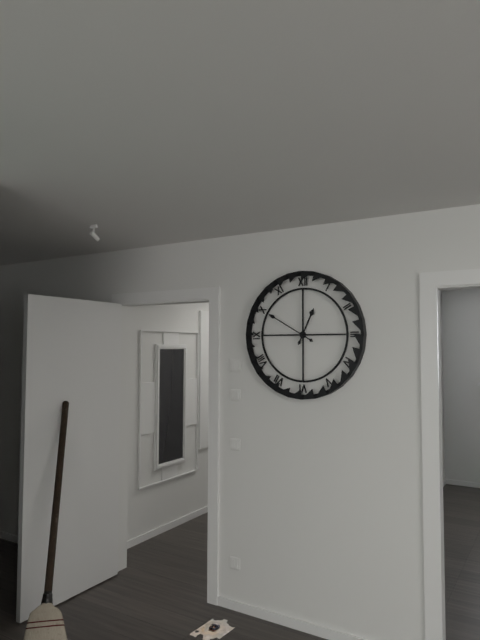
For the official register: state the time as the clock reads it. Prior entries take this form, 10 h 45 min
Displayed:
12 h 50 min
